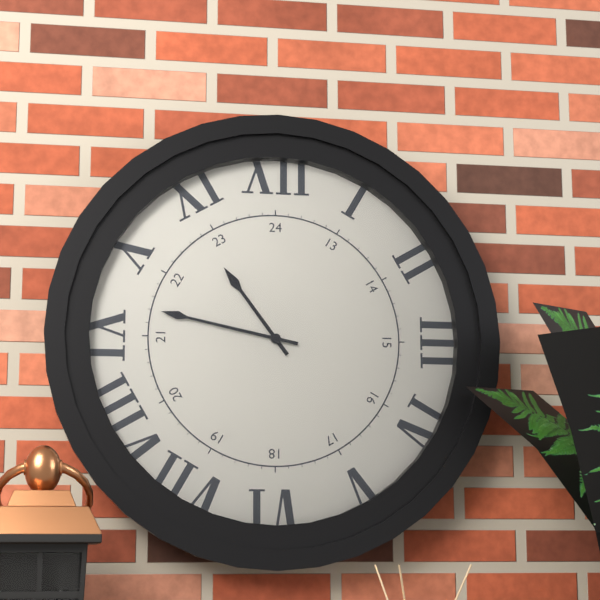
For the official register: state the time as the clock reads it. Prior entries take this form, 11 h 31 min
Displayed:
10 h 47 min
